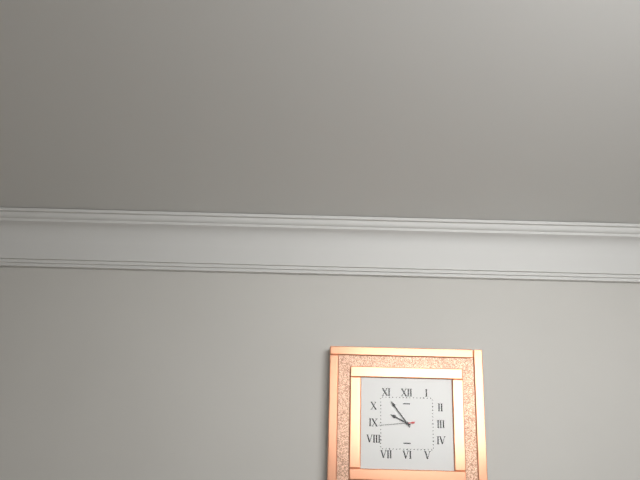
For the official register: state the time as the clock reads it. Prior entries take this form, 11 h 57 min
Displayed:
9 h 54 min
